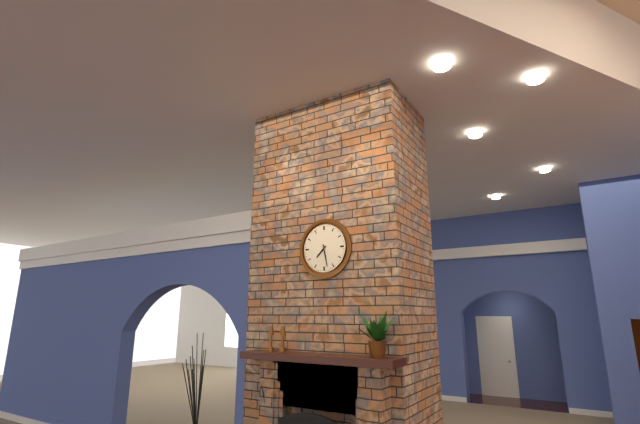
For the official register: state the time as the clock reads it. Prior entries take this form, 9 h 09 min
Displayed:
7 h 28 min
